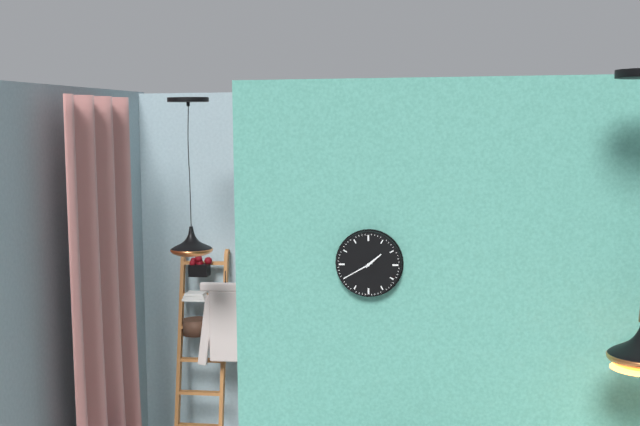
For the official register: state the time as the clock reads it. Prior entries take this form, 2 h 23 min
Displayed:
1 h 40 min
